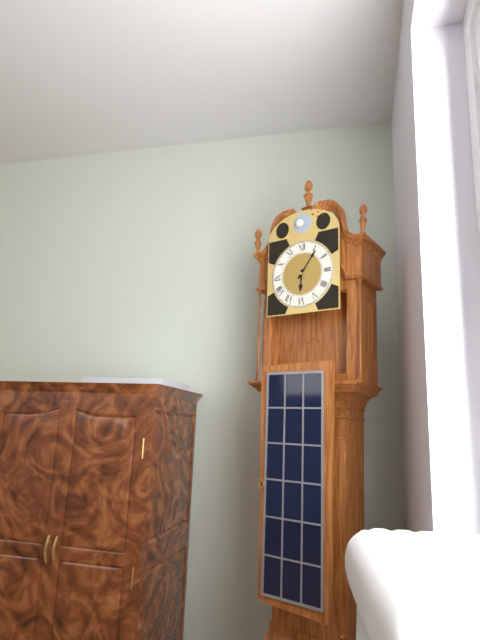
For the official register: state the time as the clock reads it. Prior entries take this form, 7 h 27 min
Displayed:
6 h 06 min
